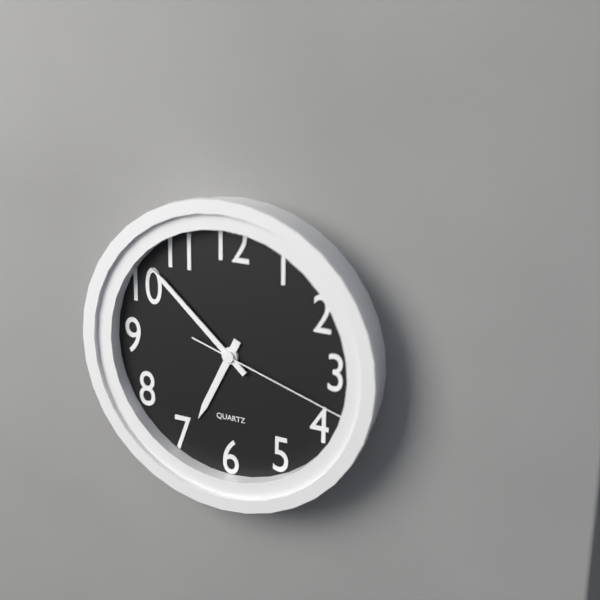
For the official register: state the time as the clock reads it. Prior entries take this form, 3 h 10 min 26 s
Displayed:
6 h 52 min 18 s
